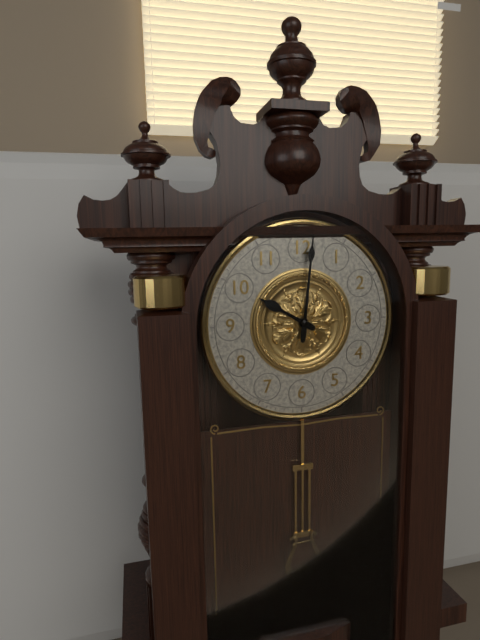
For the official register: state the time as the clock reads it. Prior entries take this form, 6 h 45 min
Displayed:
10 h 01 min
